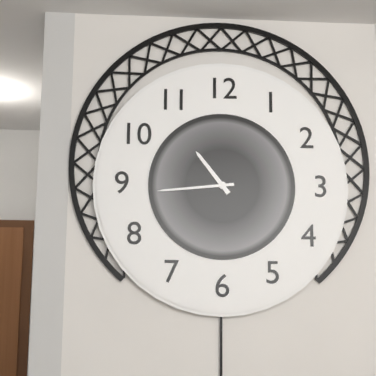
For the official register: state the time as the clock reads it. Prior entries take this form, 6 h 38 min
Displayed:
10 h 44 min
